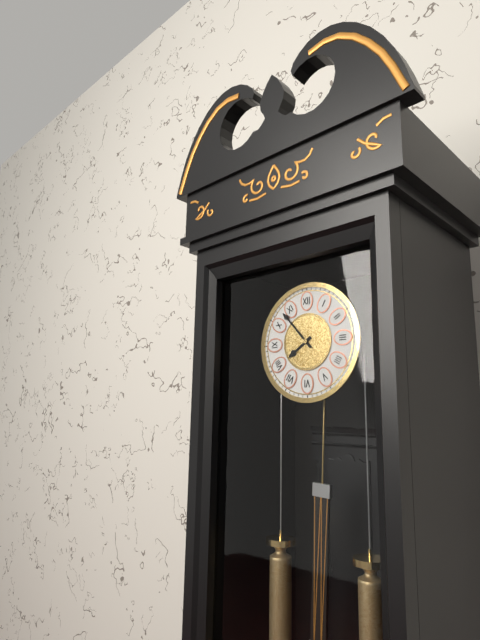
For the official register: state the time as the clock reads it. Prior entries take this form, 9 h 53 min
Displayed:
7 h 53 min
